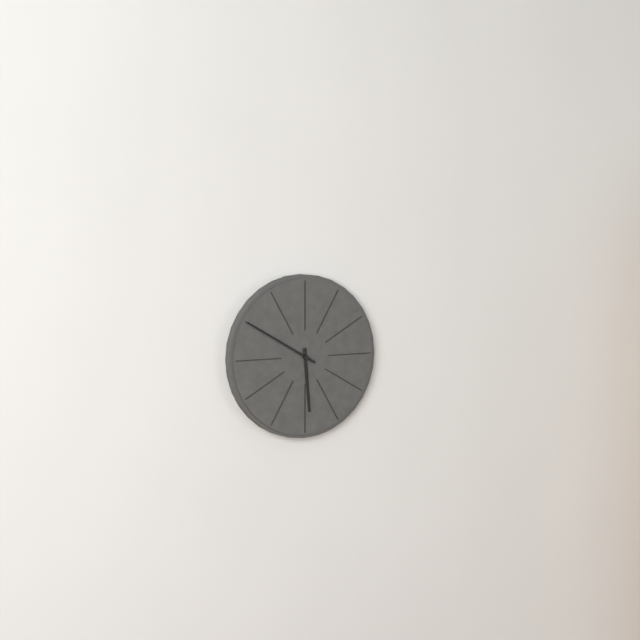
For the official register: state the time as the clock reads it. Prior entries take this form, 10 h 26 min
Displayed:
5 h 50 min
